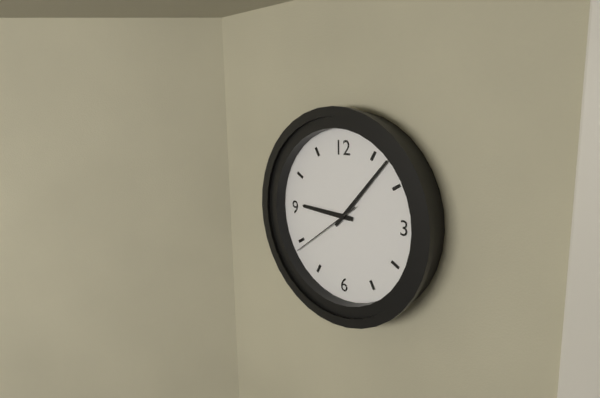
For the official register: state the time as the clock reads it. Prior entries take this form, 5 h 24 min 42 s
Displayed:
9 h 07 min 39 s
